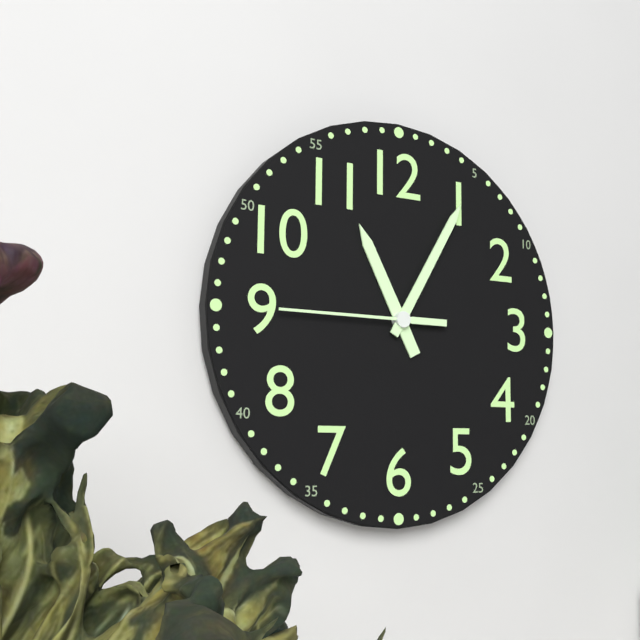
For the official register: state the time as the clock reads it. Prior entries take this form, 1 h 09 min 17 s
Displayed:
11 h 05 min 45 s
